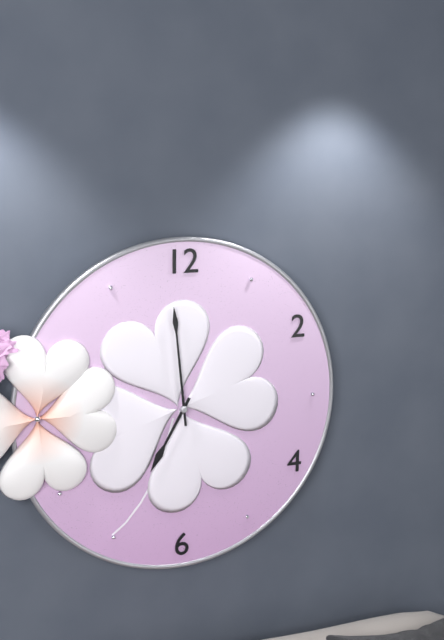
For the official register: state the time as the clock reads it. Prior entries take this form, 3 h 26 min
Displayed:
6 h 59 min
